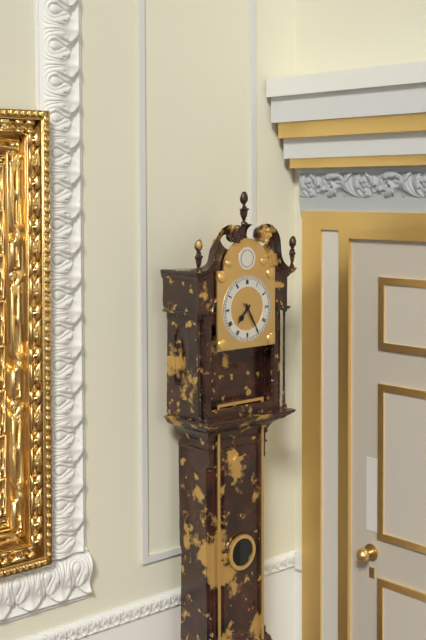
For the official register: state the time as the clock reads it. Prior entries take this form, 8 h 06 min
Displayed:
7 h 25 min
